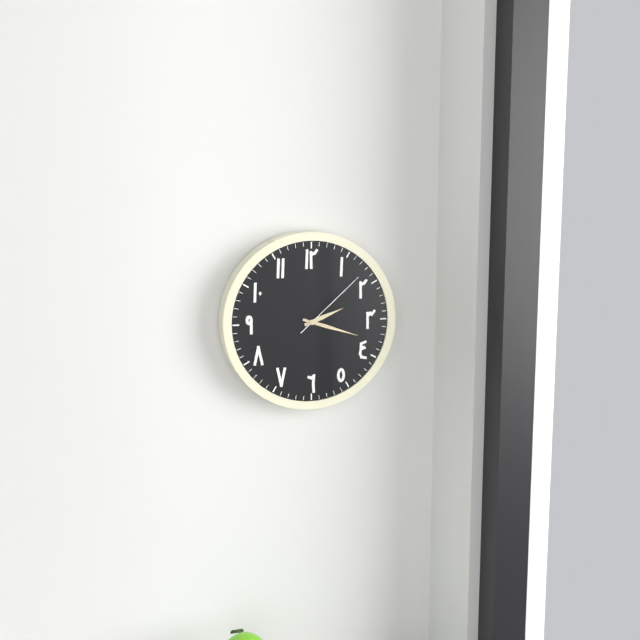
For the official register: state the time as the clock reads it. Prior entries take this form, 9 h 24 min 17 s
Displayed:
2 h 18 min 08 s
